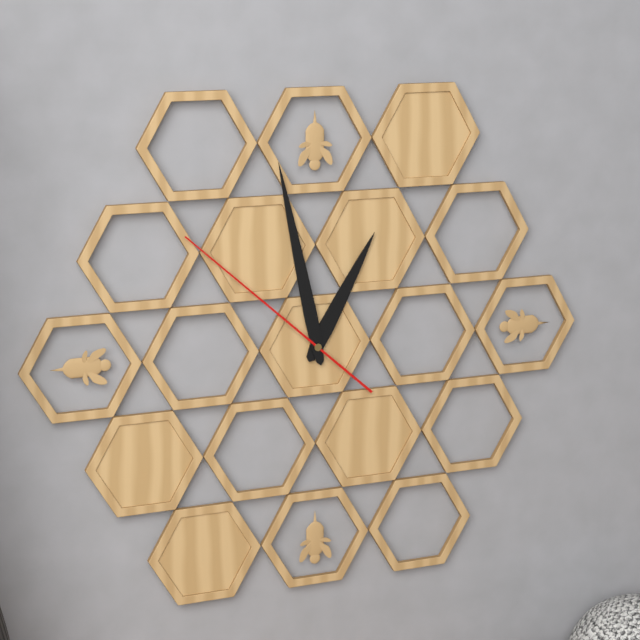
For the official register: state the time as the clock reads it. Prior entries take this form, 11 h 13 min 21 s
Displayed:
12 h 58 min 52 s
